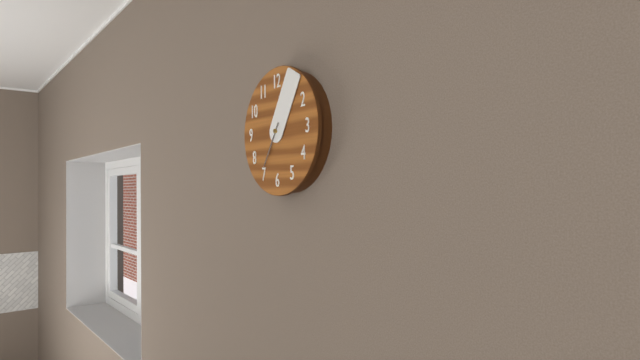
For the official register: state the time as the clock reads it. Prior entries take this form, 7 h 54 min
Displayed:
7 h 05 min
